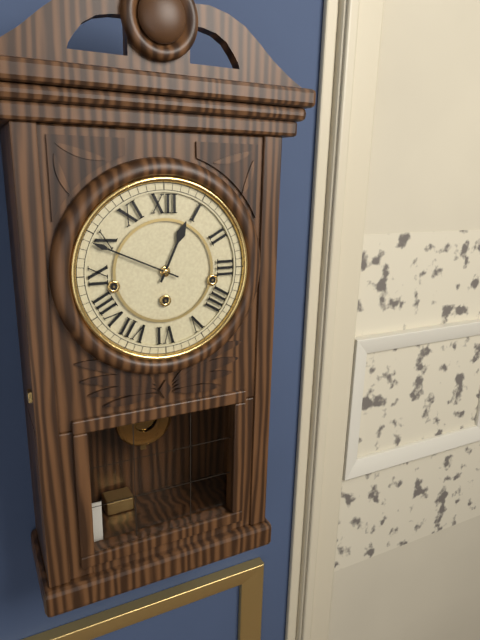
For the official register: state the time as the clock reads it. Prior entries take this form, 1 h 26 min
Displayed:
12 h 49 min
